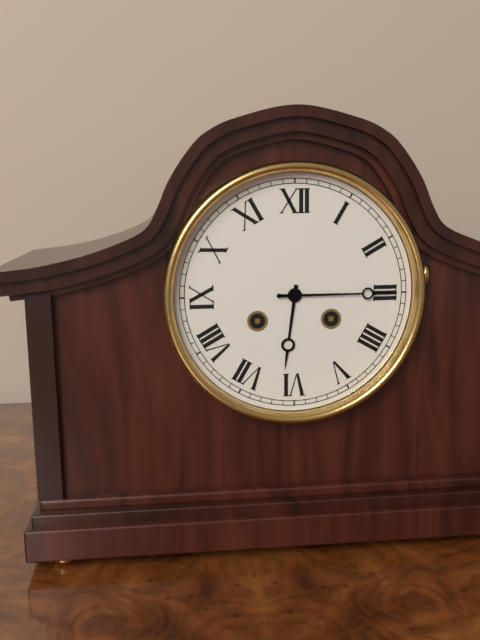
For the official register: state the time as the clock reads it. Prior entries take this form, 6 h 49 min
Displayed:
6 h 15 min
